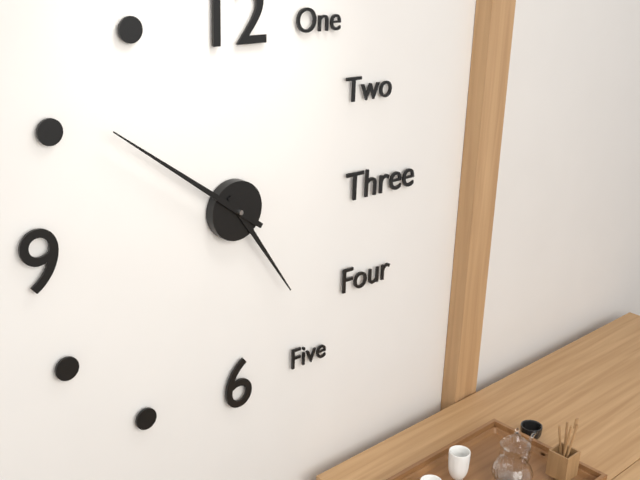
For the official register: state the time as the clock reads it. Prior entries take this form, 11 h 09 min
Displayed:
4 h 51 min
